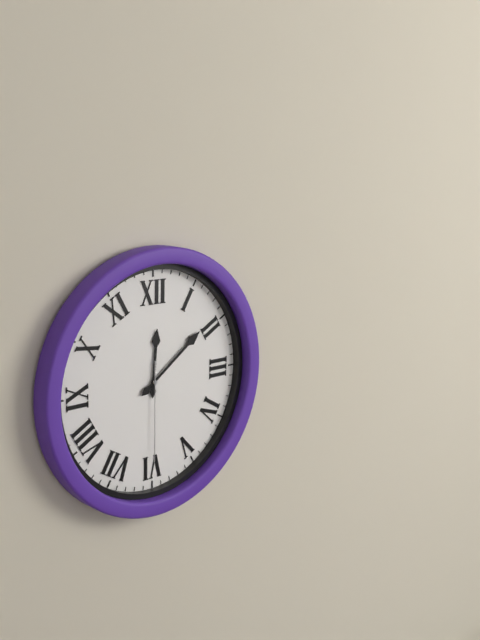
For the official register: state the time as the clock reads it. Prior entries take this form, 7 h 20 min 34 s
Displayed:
12 h 09 min 30 s
